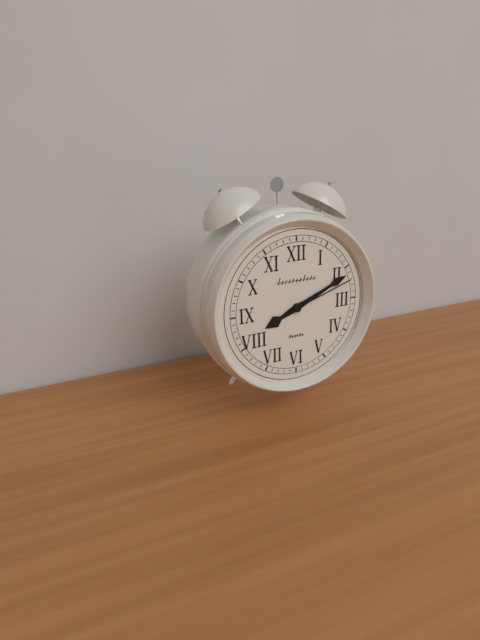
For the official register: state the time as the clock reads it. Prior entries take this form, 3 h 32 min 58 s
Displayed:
8 h 11 min 12 s
